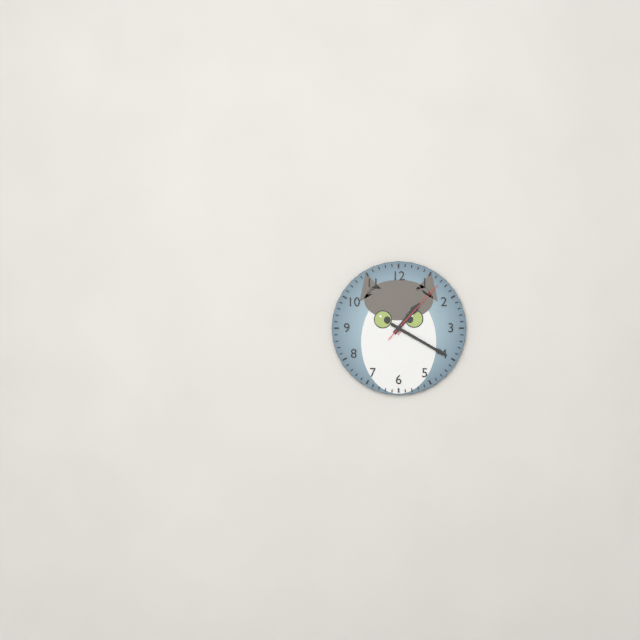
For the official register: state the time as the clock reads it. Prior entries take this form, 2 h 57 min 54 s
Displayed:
1 h 20 min 07 s
